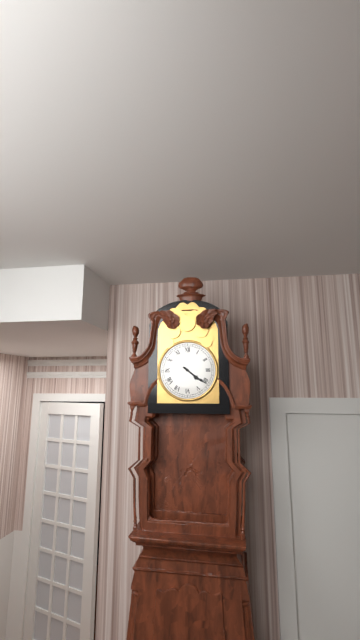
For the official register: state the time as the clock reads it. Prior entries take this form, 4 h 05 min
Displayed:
4 h 21 min
